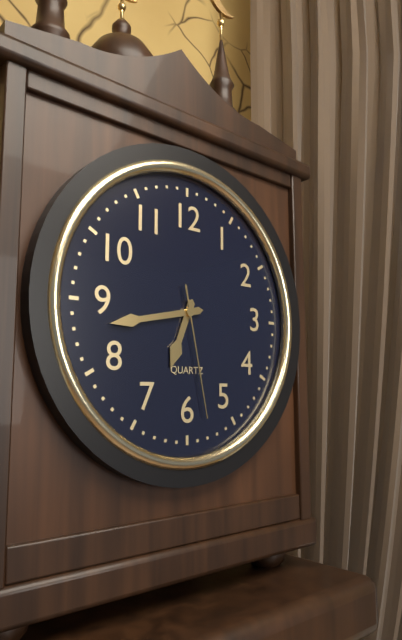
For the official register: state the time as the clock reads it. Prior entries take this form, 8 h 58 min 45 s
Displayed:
6 h 43 min 28 s
